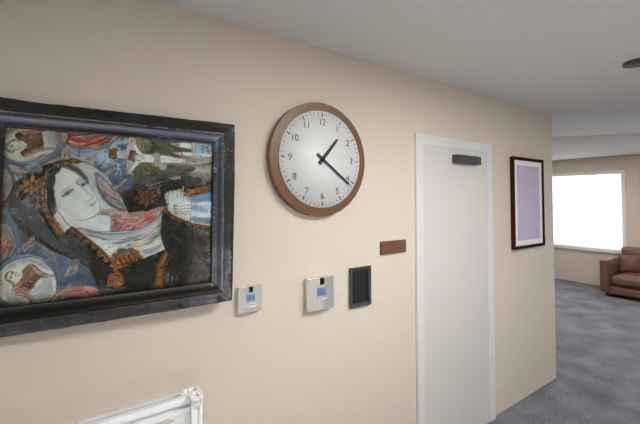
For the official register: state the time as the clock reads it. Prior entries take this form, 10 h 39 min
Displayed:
1 h 21 min
